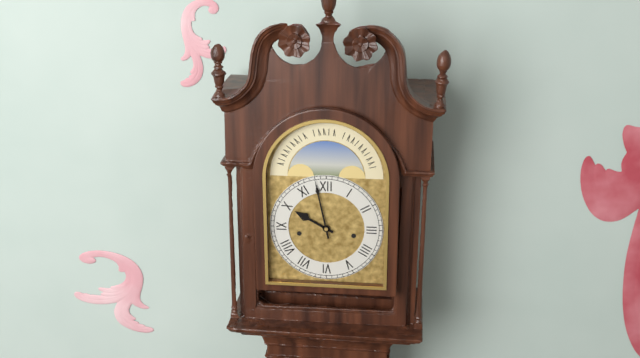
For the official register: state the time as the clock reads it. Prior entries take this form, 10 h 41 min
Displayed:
9 h 58 min
